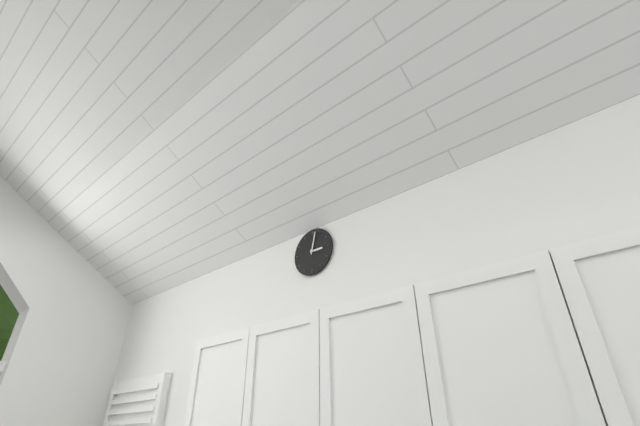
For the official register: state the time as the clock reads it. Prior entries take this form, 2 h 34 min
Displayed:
3 h 02 min
